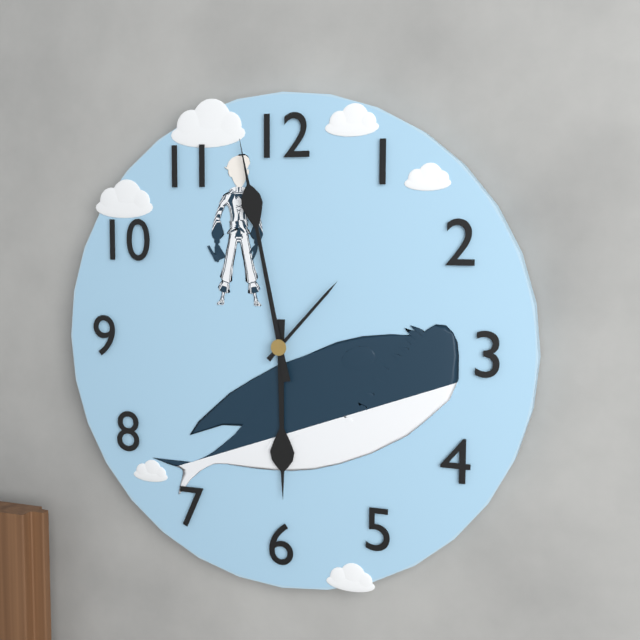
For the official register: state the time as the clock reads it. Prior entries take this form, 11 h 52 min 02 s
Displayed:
5 h 58 min 07 s
